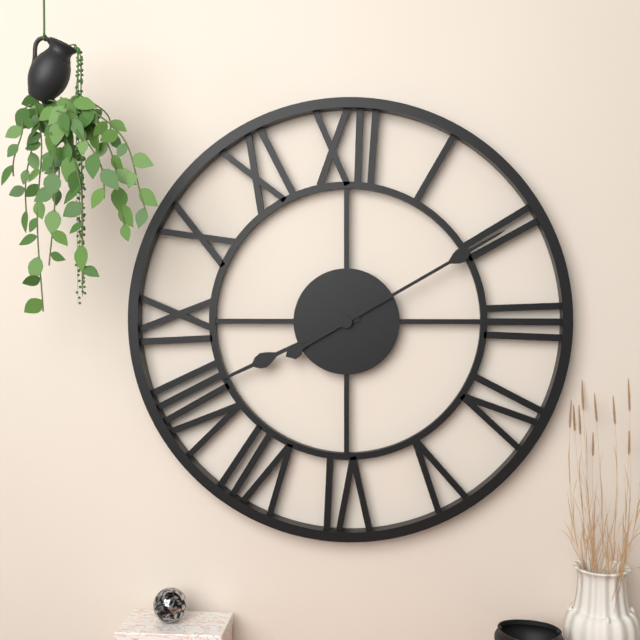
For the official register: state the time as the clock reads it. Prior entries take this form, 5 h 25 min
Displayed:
8 h 10 min
